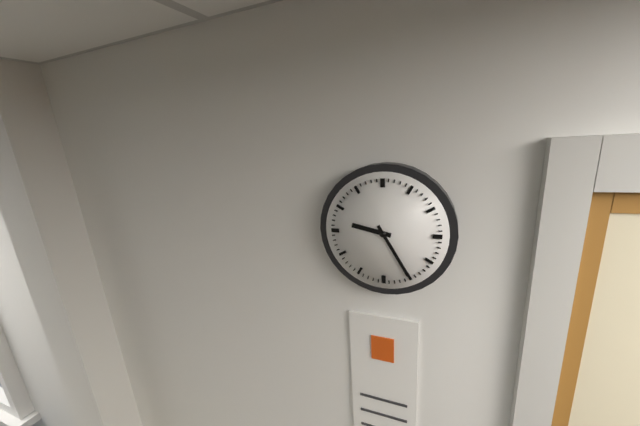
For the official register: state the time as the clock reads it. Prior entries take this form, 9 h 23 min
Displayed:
9 h 25 min
